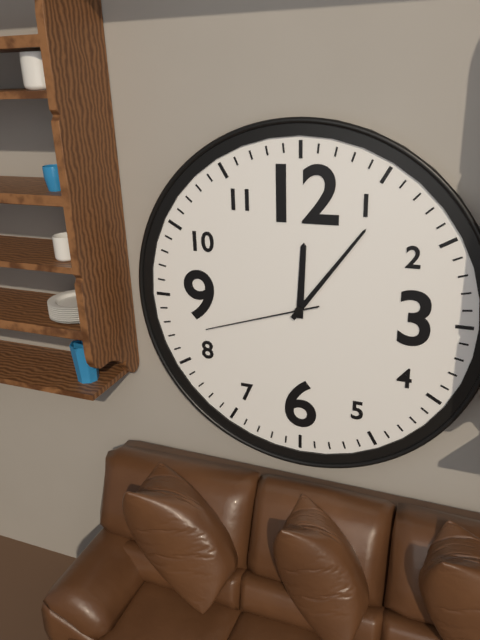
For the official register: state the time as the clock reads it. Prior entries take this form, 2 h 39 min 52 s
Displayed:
12 h 06 min 42 s
